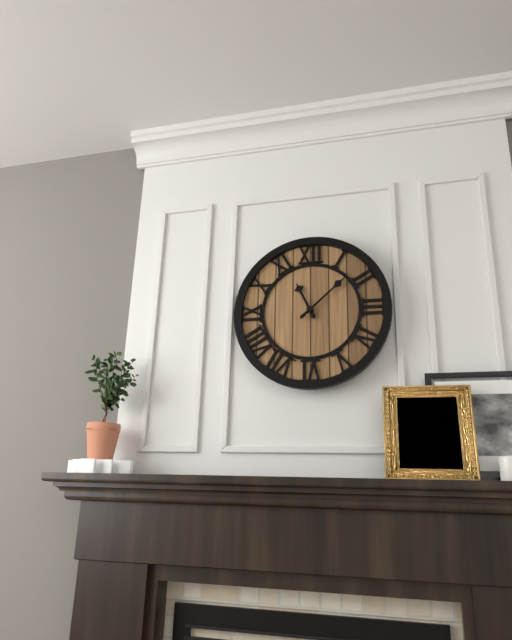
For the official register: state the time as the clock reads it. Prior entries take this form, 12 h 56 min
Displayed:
11 h 08 min
